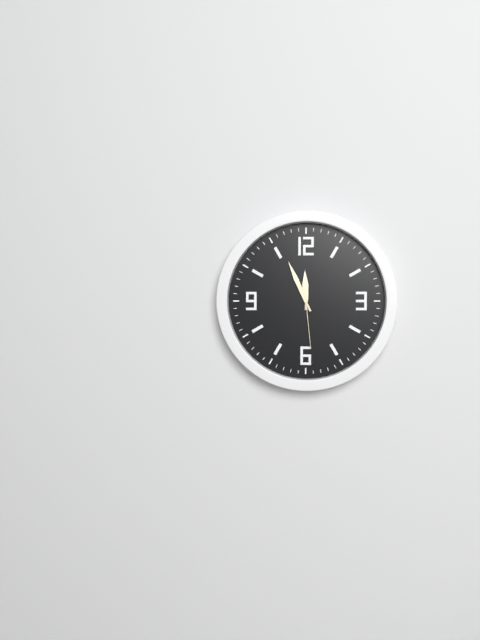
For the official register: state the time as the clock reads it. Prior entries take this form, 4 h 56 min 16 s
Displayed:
11 h 56 min 29 s
